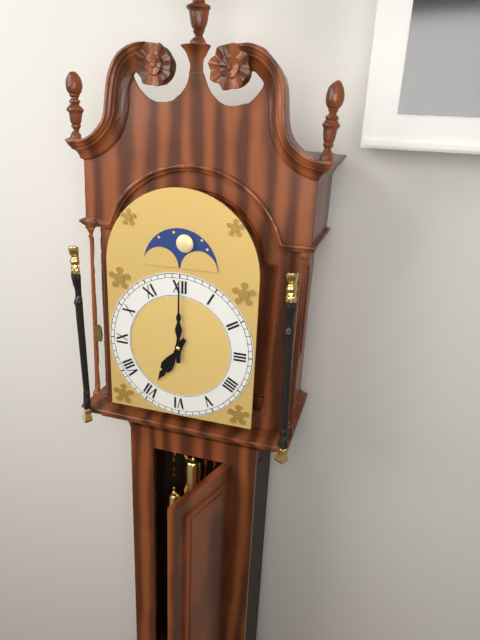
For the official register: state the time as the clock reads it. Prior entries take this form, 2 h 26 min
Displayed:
7 h 00 min
